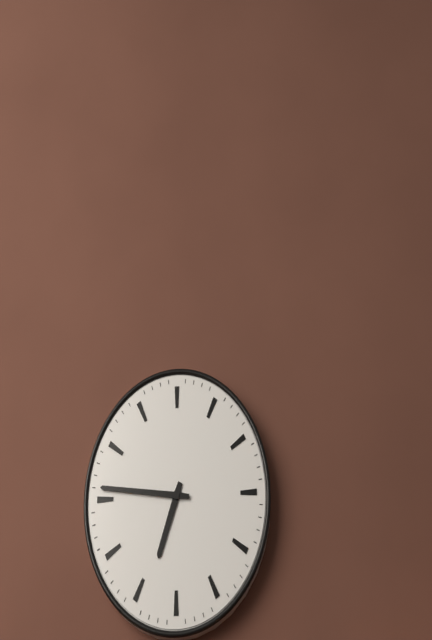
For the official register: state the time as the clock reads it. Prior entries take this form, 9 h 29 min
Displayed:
6 h 46 min
